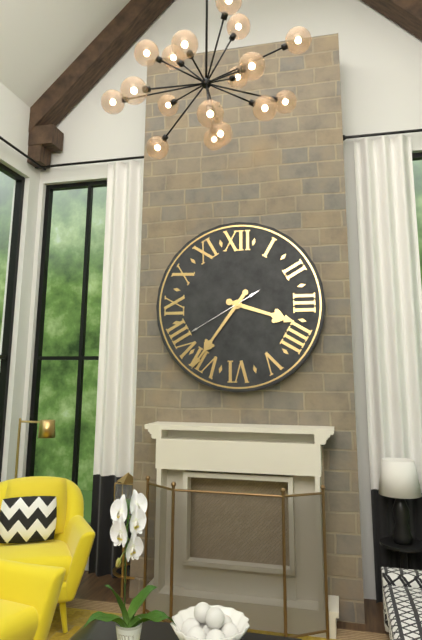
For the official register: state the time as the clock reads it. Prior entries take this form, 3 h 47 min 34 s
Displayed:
3 h 36 min 40 s
